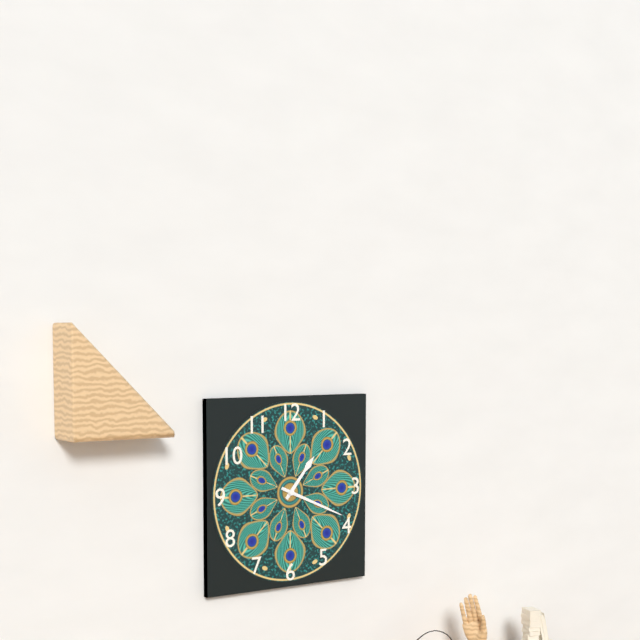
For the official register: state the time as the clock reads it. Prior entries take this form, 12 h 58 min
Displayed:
1 h 19 min
